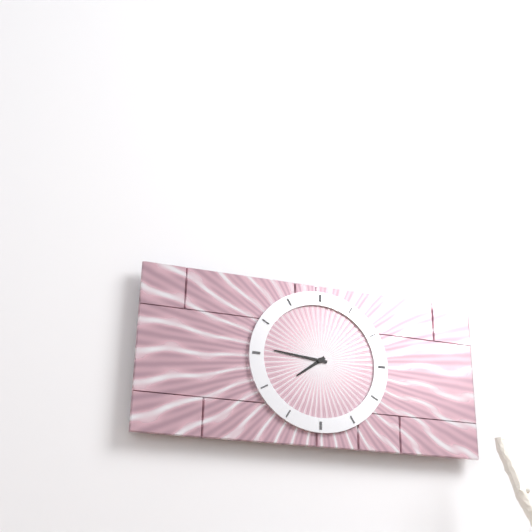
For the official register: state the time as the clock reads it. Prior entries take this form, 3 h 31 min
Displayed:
7 h 46 min
